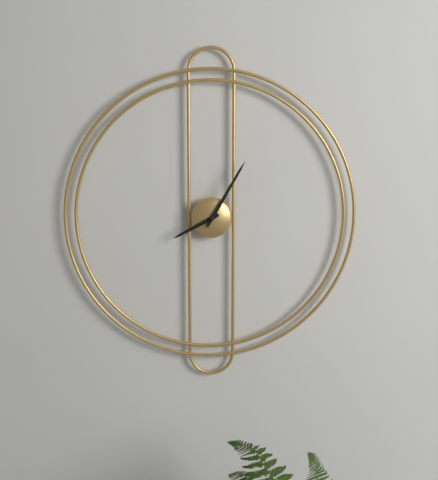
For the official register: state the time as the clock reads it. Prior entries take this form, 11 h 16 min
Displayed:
8 h 05 min
